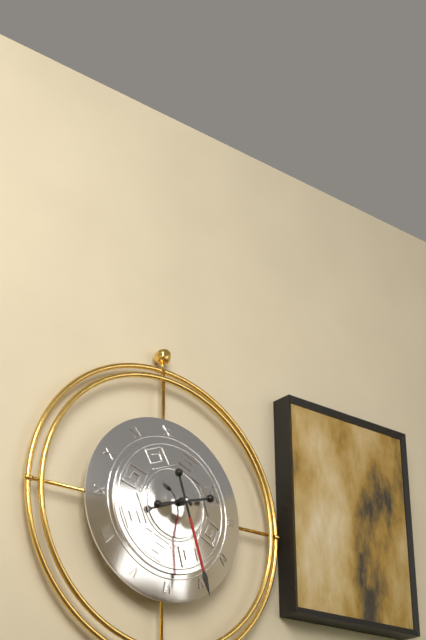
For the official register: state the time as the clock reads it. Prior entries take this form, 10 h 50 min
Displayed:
2 h 27 min
